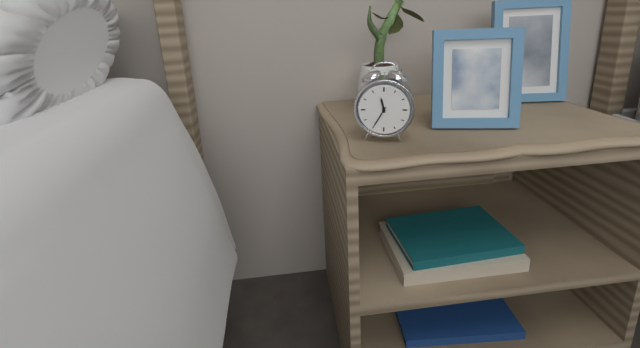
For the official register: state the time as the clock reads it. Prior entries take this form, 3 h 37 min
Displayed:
11 h 35 min
